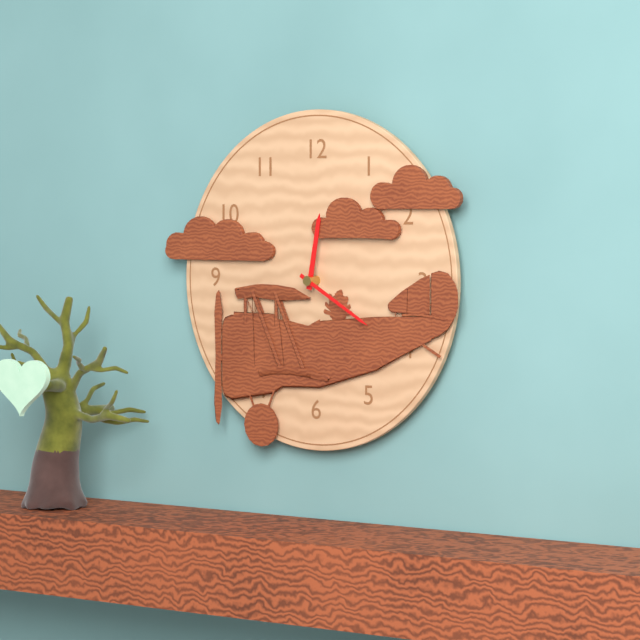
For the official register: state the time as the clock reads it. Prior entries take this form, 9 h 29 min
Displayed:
12 h 20 min
